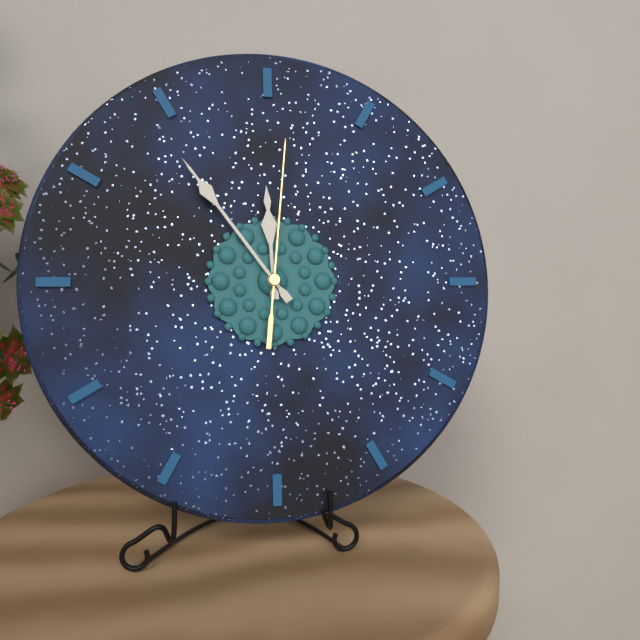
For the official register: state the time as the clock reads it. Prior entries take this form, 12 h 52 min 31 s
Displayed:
11 h 54 min 01 s
